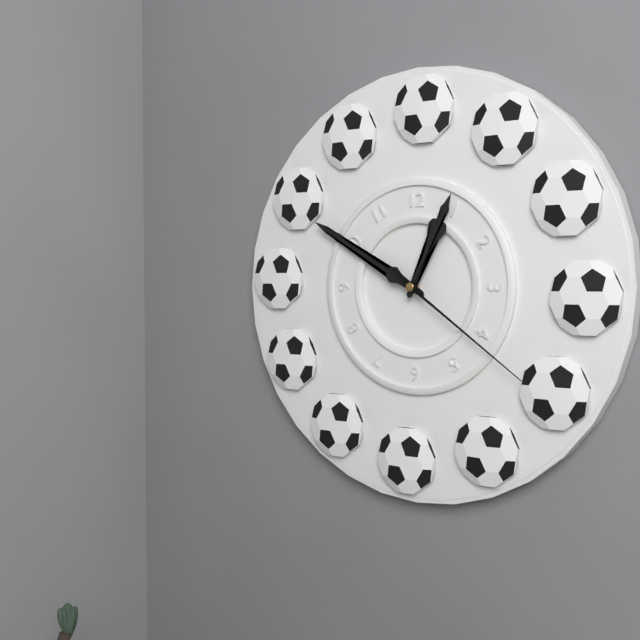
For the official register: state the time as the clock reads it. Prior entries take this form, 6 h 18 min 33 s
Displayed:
12 h 50 min 21 s
